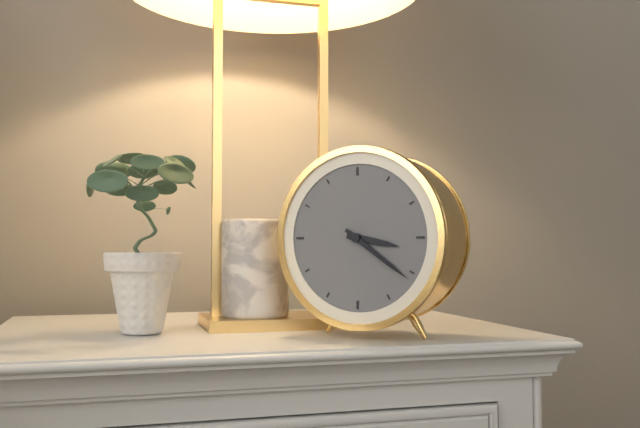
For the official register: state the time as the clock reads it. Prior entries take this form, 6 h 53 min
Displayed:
3 h 21 min
